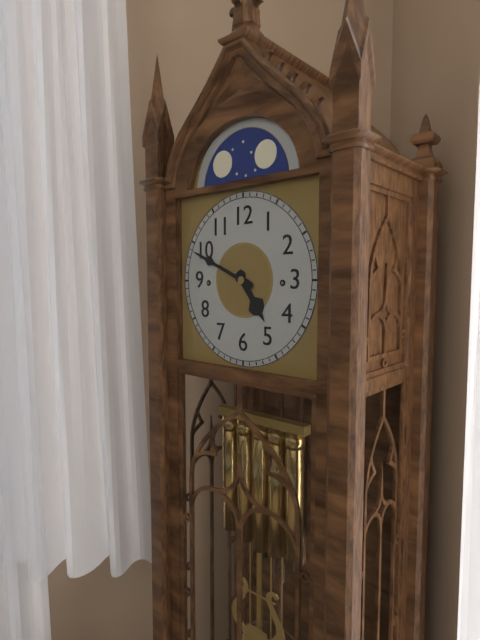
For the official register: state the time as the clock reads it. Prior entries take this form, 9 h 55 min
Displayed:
4 h 49 min
